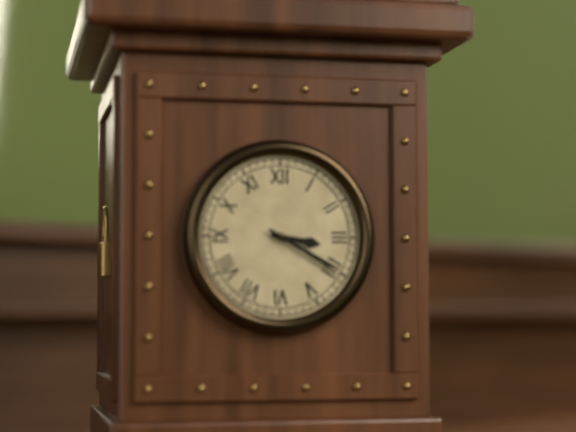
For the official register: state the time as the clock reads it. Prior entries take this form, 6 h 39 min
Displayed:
3 h 20 min
